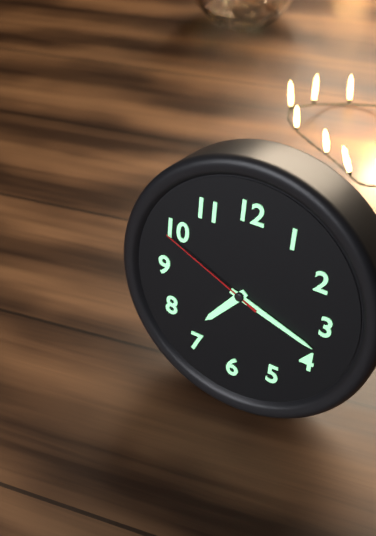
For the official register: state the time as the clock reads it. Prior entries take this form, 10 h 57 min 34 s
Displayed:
7 h 18 min 49 s
